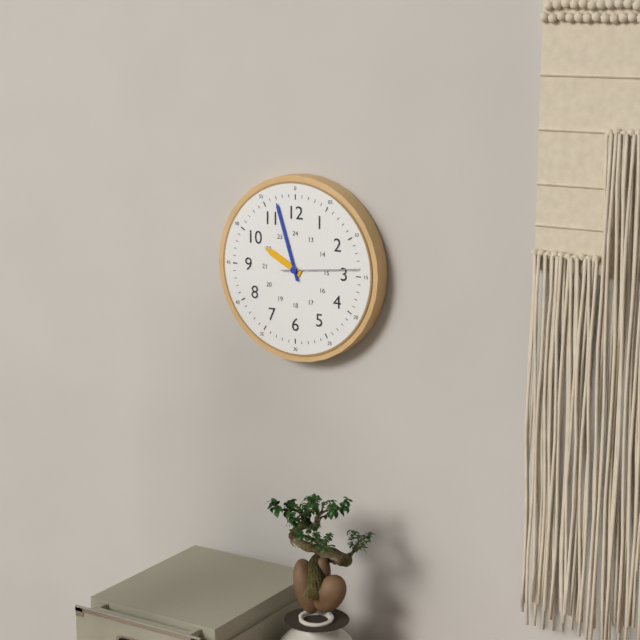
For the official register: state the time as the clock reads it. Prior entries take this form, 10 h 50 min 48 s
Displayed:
9 h 57 min 14 s
